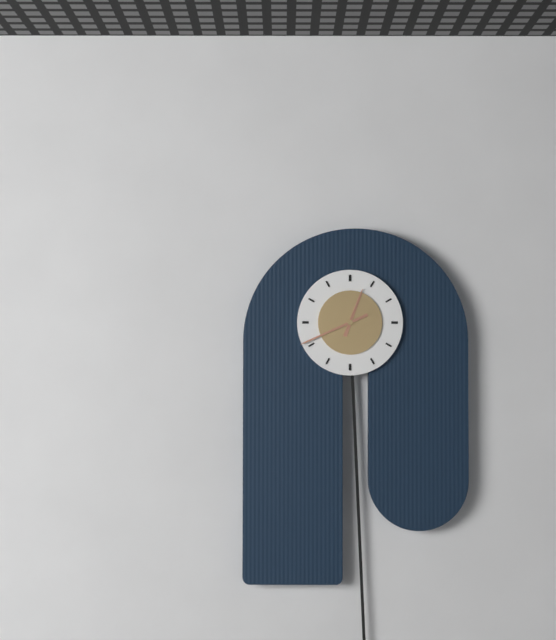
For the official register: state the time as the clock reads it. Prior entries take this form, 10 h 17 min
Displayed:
12 h 41 min
